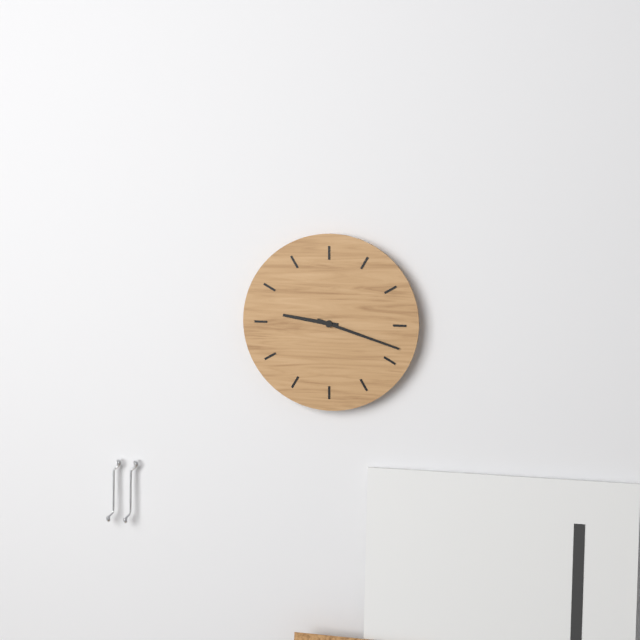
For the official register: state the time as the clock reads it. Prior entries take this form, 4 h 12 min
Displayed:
9 h 18 min
